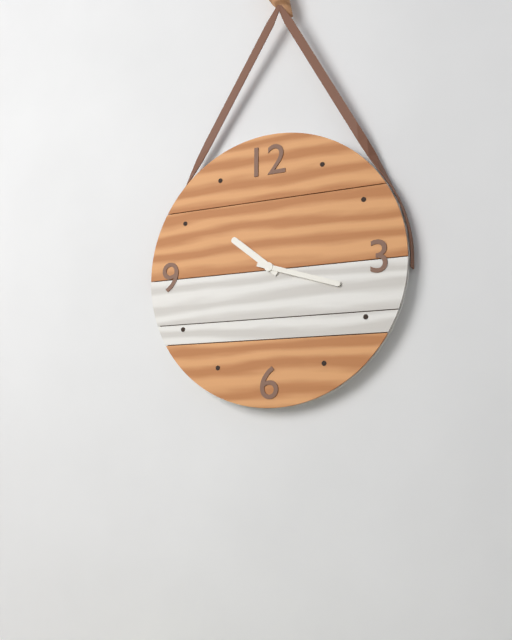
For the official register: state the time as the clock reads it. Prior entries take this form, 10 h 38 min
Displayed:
10 h 18 min
